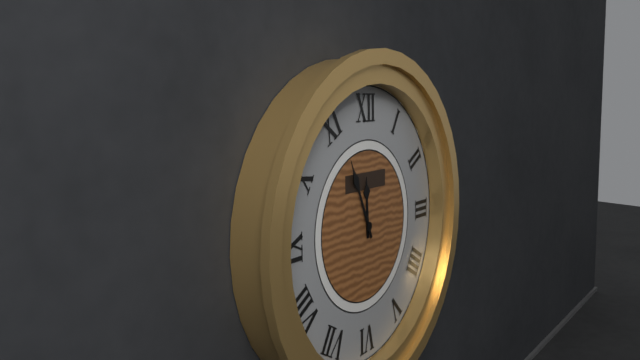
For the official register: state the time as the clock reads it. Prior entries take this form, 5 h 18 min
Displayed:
11 h 56 min
